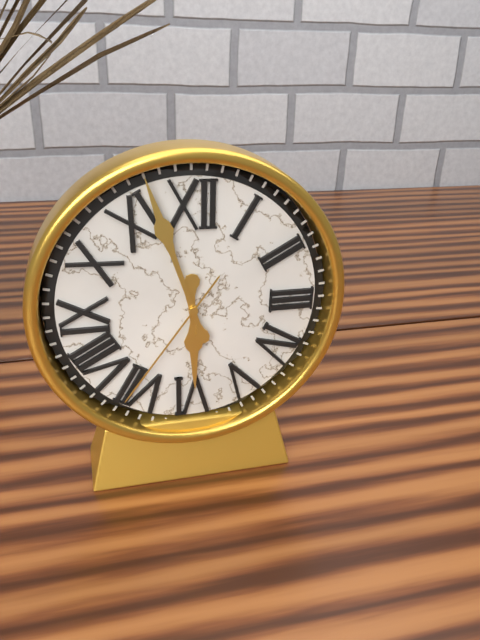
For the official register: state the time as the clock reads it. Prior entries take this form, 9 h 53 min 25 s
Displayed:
5 h 57 min 36 s
